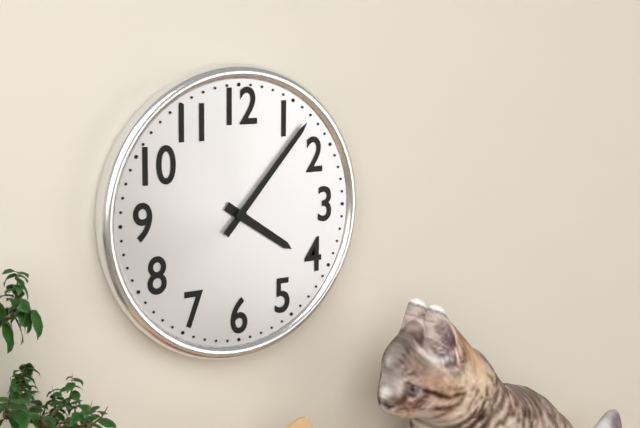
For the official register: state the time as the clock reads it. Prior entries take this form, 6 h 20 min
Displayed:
4 h 07 min
